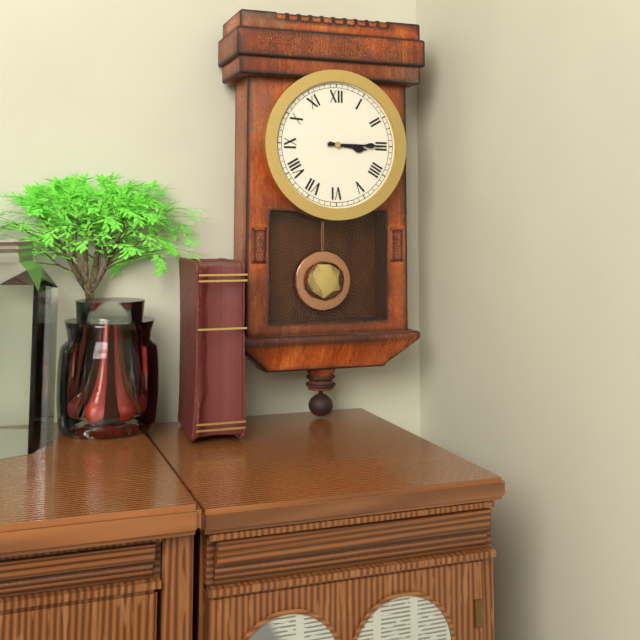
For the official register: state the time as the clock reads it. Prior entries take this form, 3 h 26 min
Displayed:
3 h 15 min
